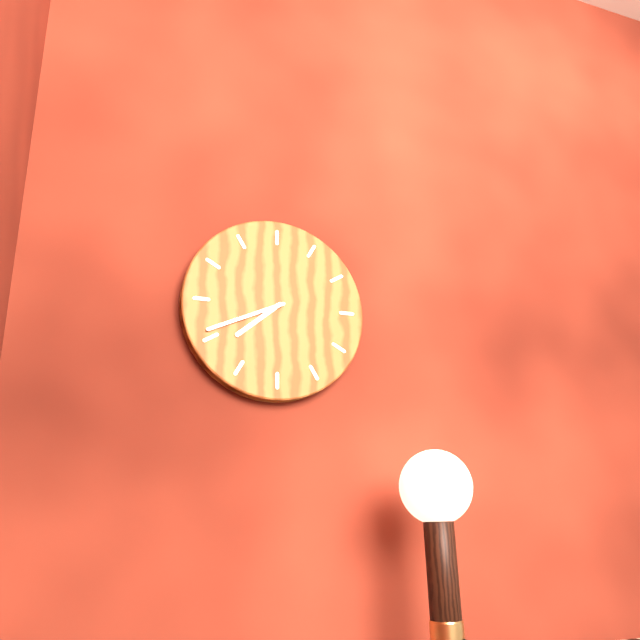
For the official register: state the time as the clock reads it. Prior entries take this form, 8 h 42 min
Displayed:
7 h 41 min
